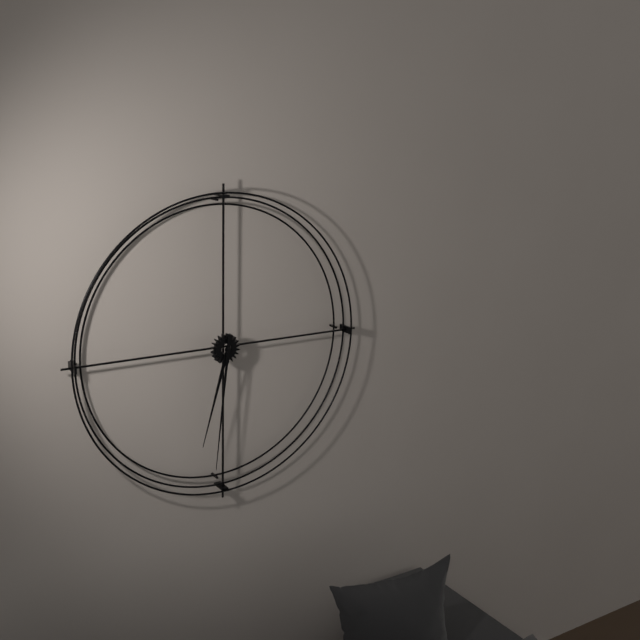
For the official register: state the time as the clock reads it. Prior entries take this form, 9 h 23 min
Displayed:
6 h 31 min
